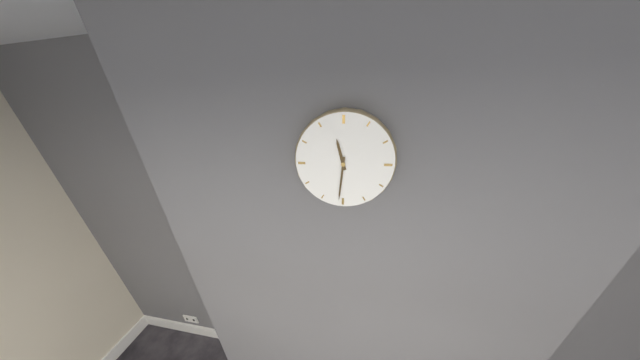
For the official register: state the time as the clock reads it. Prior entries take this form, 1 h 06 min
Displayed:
11 h 31 min
